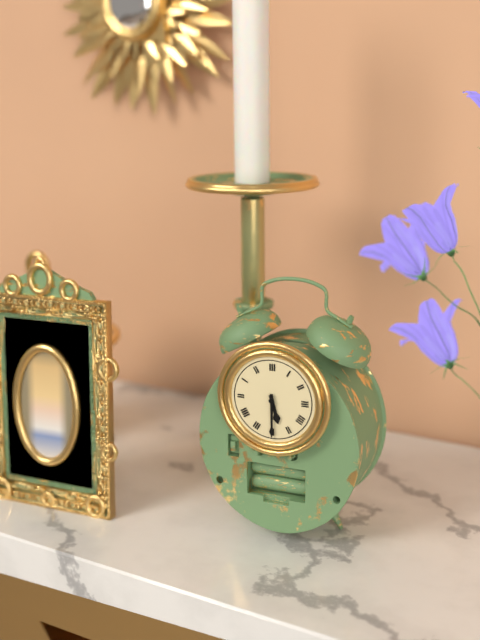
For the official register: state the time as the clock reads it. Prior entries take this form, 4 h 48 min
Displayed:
5 h 30 min
